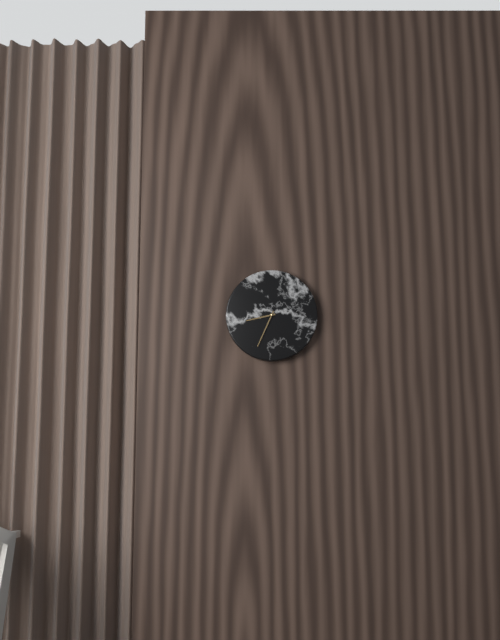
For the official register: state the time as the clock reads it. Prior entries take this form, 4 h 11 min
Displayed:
8 h 34 min
